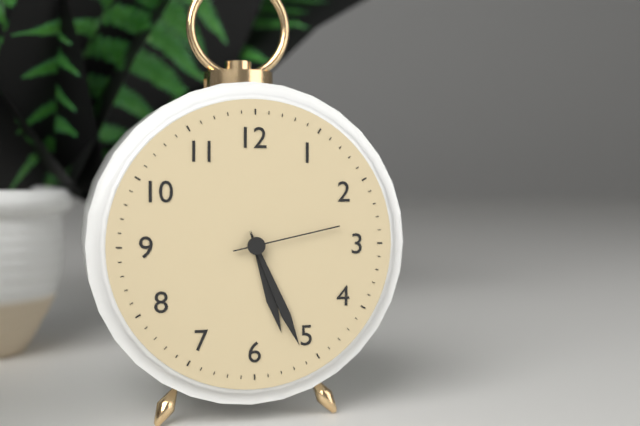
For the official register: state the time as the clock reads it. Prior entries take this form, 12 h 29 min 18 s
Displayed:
5 h 26 min 13 s
